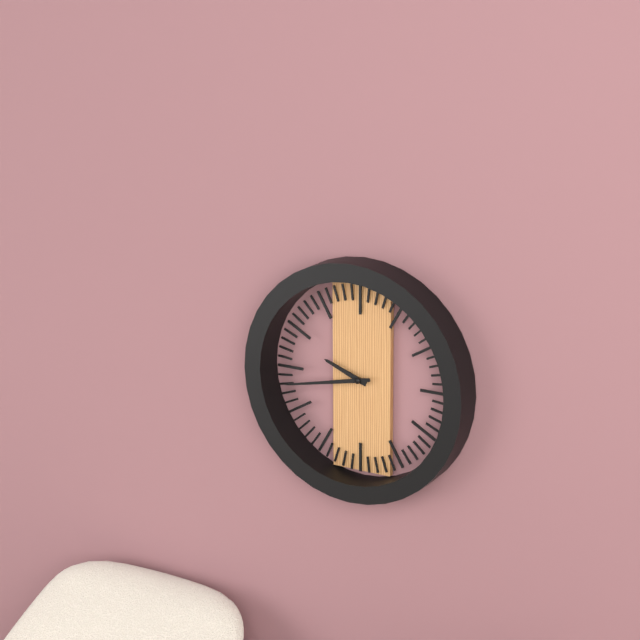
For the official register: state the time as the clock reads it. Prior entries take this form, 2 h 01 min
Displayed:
9 h 43 min
